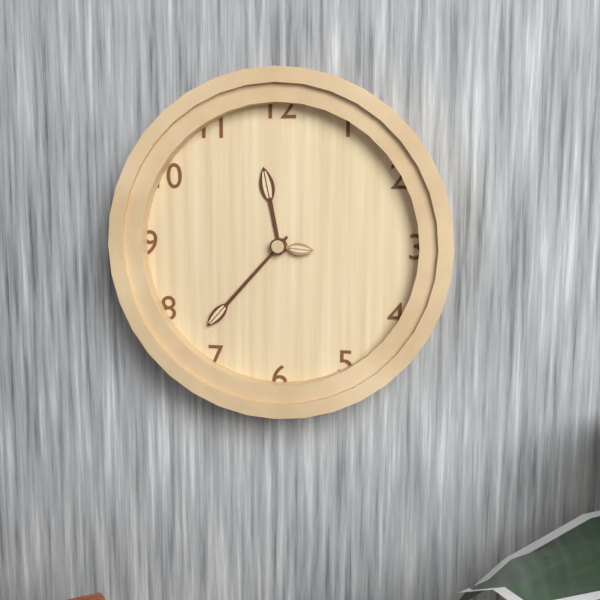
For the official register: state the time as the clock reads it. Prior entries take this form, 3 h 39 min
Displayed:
11 h 37 min
